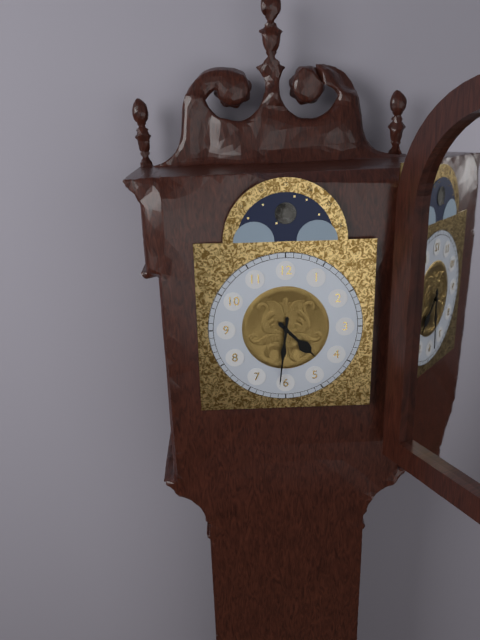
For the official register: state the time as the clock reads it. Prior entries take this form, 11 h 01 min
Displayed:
4 h 31 min
